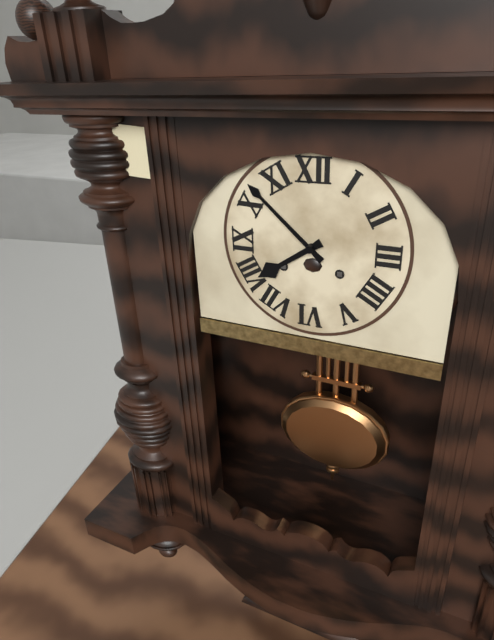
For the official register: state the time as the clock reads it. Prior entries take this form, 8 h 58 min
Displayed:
7 h 52 min
